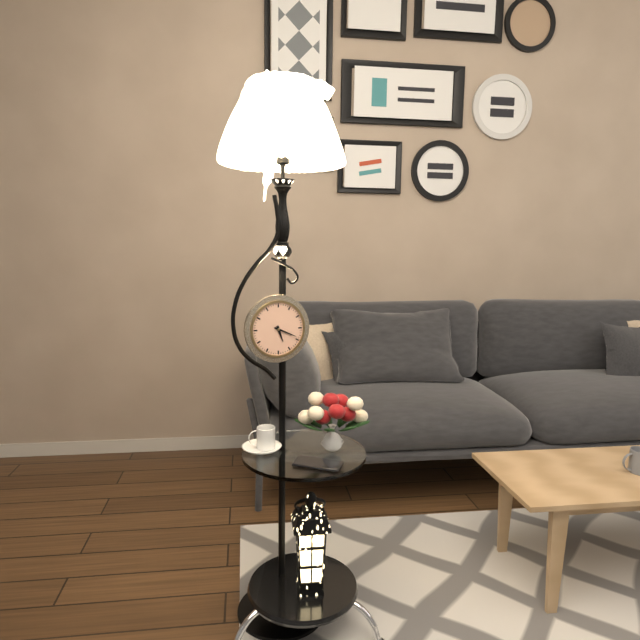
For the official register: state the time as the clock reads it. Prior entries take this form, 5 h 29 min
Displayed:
5 h 19 min
